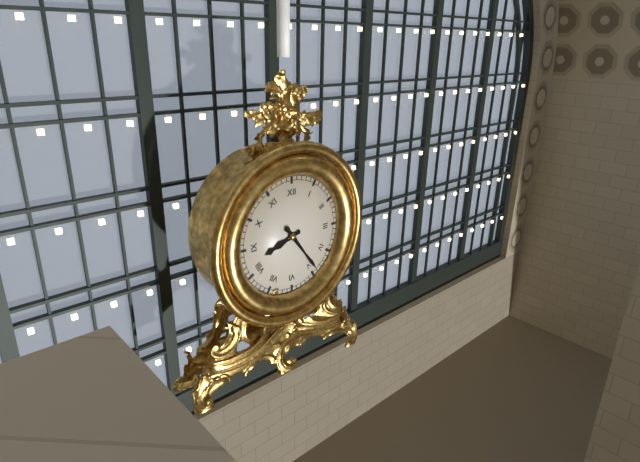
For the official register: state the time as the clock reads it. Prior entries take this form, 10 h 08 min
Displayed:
8 h 24 min
